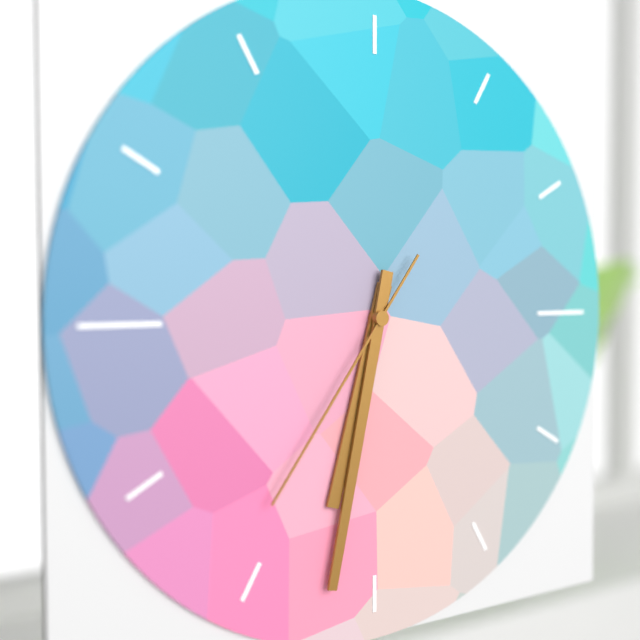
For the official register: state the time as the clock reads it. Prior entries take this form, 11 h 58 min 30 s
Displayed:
6 h 32 min 36 s
